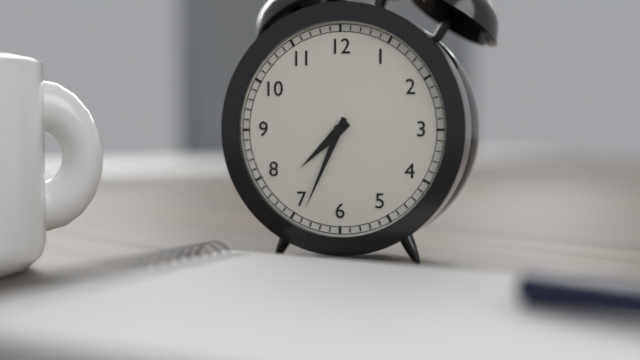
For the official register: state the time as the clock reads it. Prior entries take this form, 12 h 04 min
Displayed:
7 h 34 min
